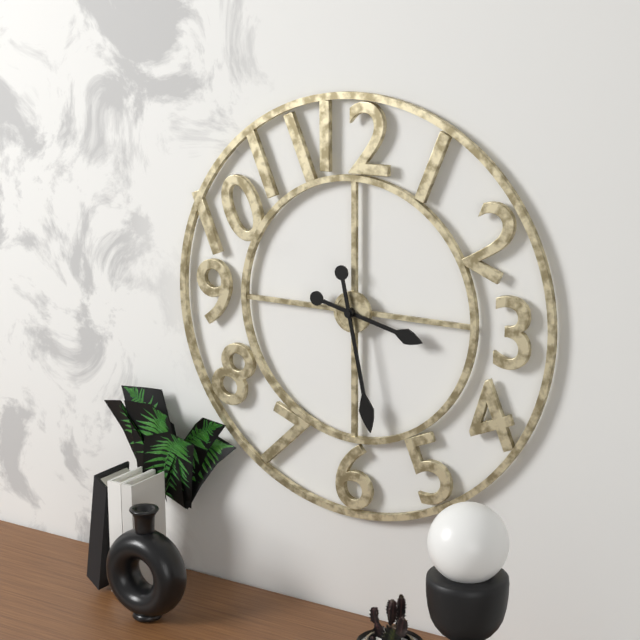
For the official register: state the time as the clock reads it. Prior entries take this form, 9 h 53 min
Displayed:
3 h 28 min
